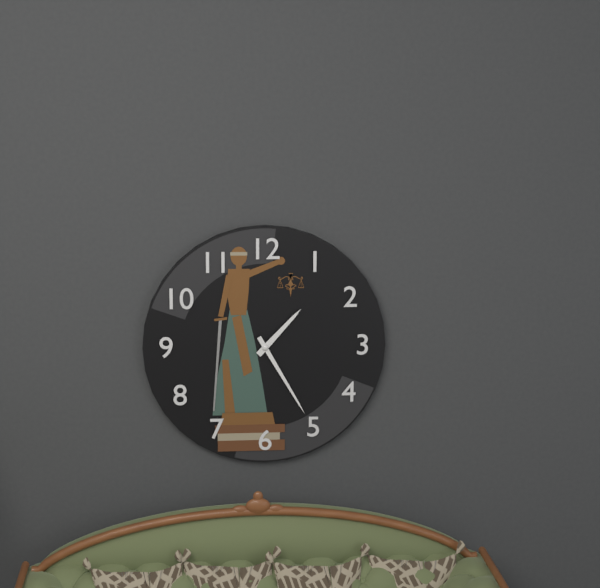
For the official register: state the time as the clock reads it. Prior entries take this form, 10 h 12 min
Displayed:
1 h 25 min
